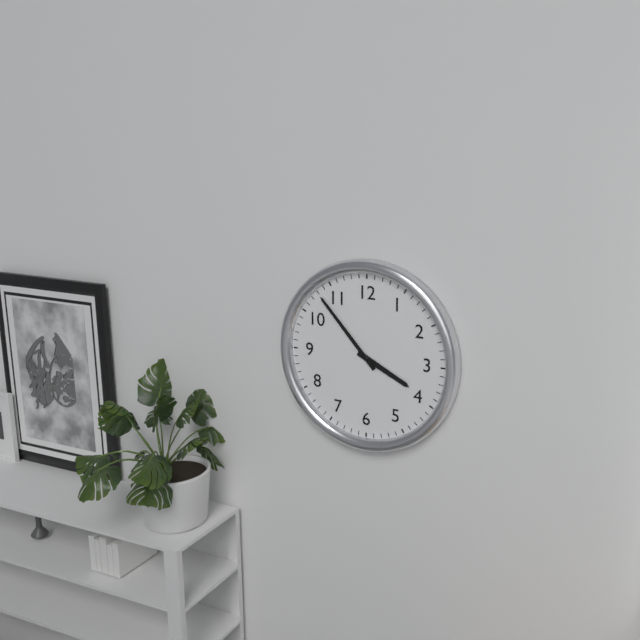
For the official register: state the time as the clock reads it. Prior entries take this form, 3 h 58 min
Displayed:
3 h 53 min
